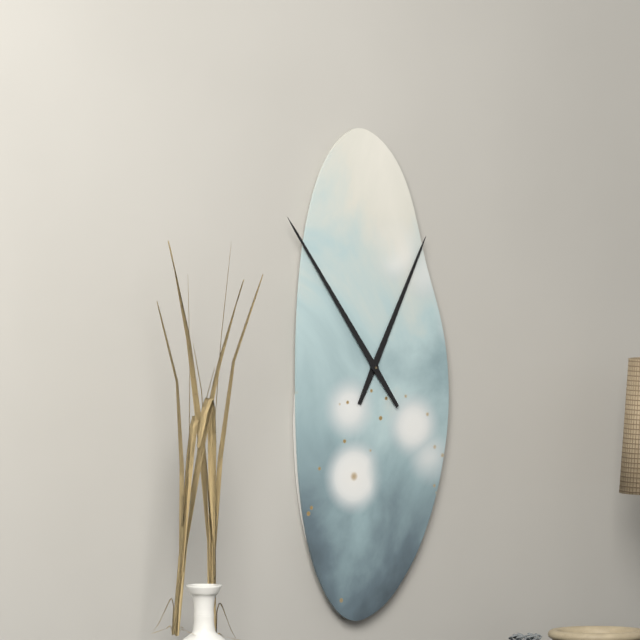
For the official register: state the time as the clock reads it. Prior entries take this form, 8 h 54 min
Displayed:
12 h 54 min
